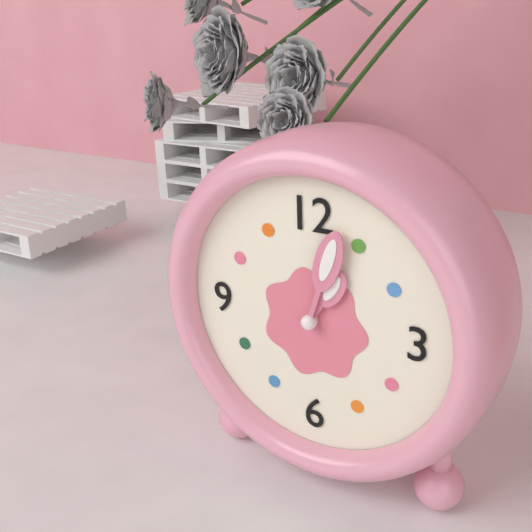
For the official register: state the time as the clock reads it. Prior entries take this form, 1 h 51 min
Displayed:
1 h 03 min
